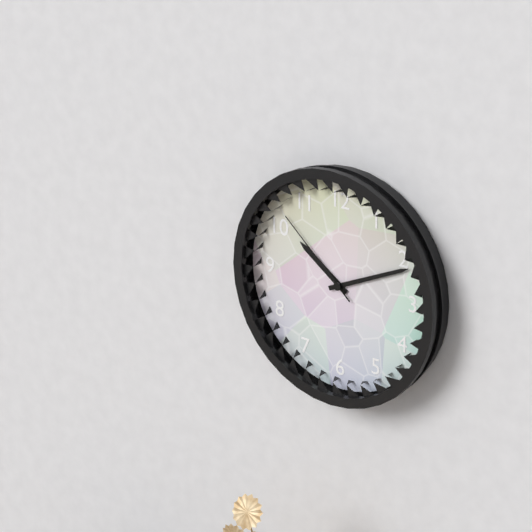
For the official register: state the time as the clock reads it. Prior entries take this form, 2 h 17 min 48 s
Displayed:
10 h 11 min 52 s
